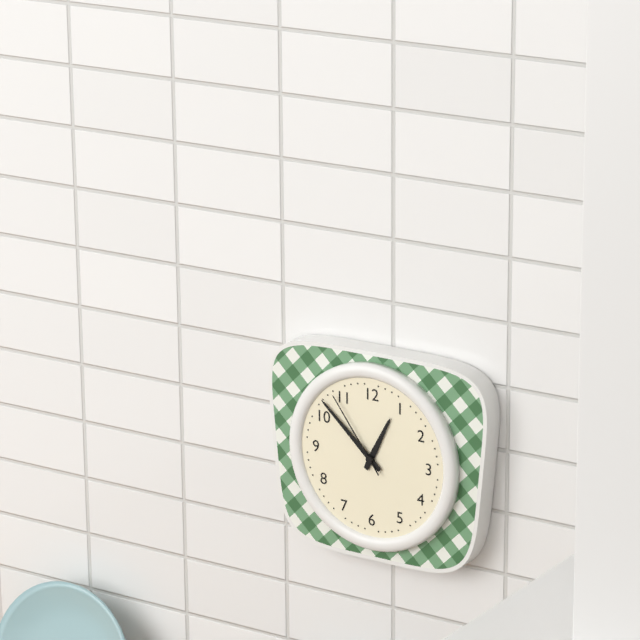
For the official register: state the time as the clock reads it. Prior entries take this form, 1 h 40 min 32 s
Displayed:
12 h 52 min 54 s
